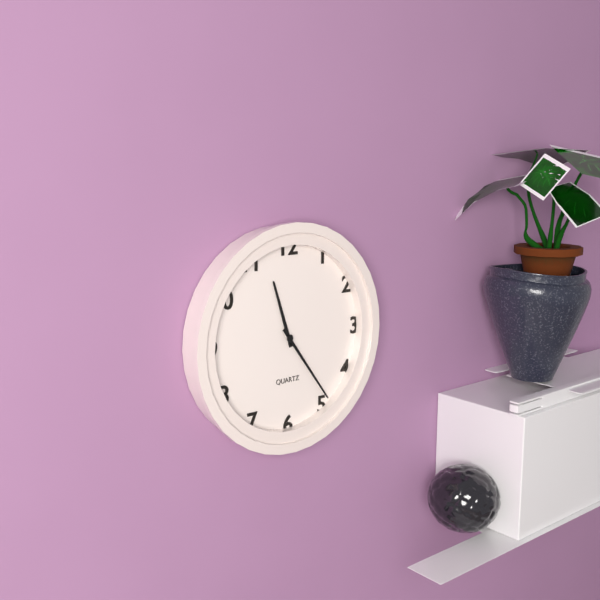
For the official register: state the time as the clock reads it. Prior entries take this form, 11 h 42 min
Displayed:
11 h 24 min
